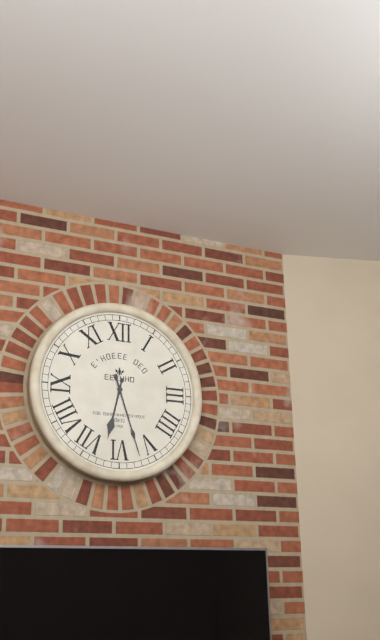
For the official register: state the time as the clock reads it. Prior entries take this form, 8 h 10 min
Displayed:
6 h 27 min
